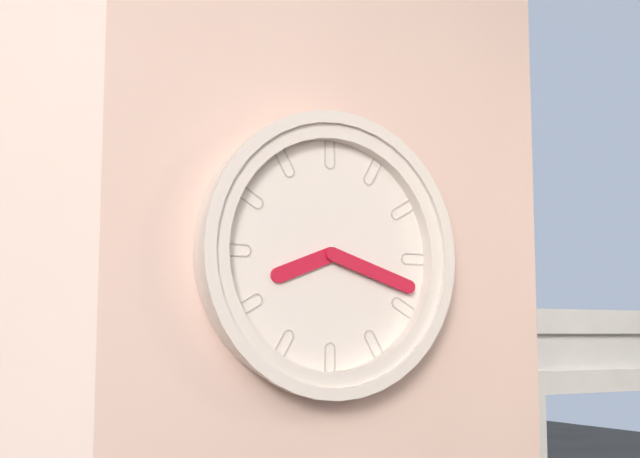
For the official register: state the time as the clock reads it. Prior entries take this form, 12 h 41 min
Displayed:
8 h 18 min
